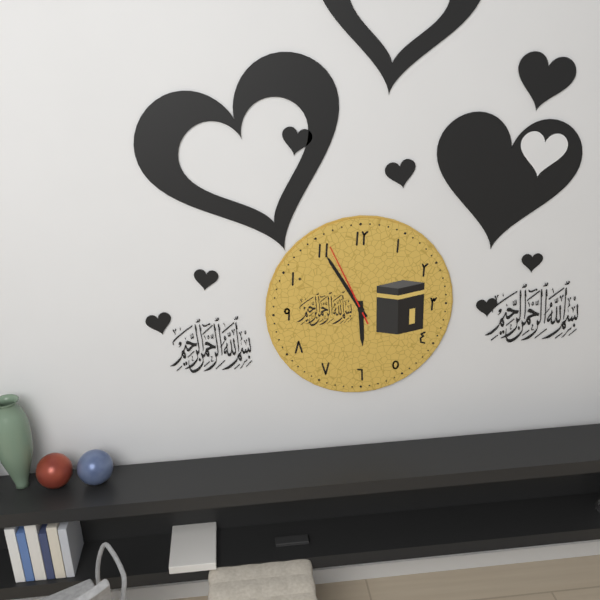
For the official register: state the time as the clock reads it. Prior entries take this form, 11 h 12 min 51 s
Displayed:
5 h 55 min 56 s
